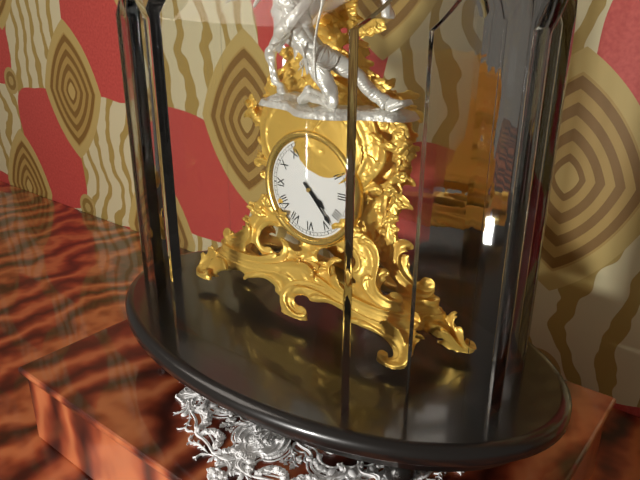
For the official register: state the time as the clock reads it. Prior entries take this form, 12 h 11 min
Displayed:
4 h 23 min
